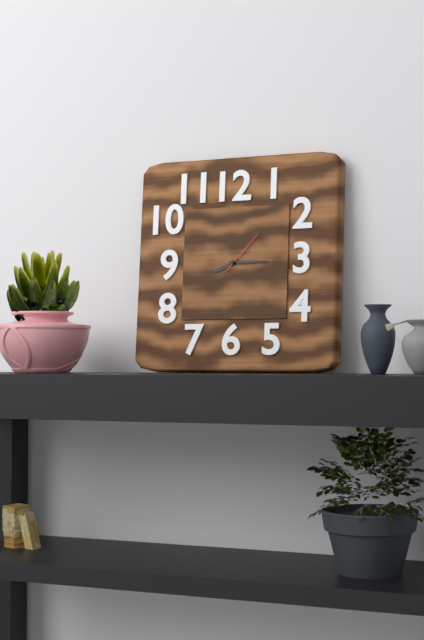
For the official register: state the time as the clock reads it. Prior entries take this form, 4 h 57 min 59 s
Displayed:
8 h 15 min 07 s
